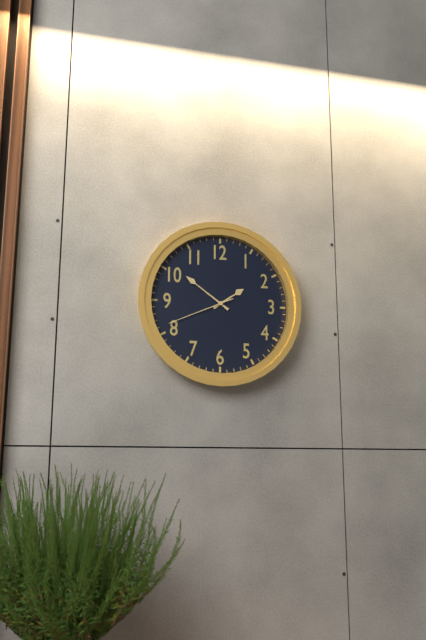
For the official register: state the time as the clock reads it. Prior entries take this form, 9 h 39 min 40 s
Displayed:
1 h 51 min 41 s
